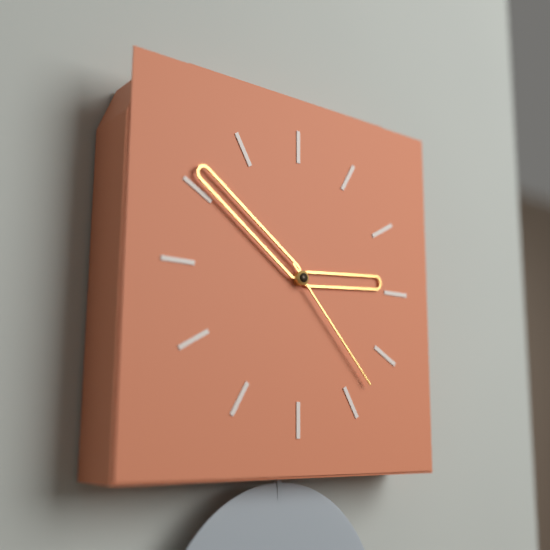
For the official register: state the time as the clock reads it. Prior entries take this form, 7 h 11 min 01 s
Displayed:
2 h 51 min 23 s
